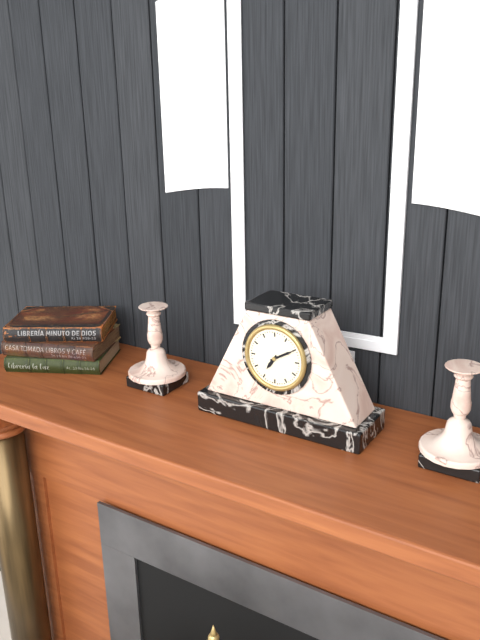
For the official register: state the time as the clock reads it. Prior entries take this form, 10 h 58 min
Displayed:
7 h 10 min
